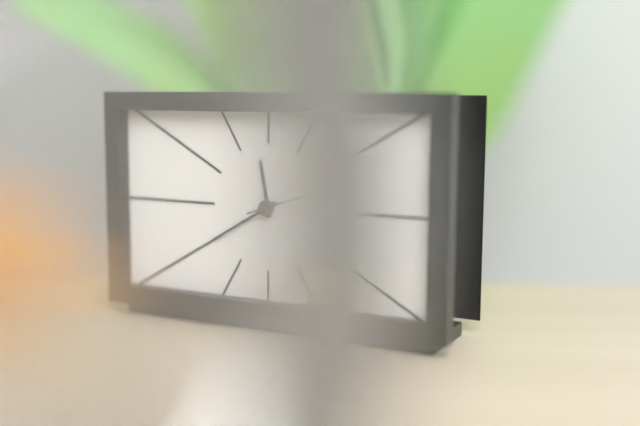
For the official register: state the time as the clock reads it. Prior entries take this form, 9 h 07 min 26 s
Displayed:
11 h 40 min 12 s
